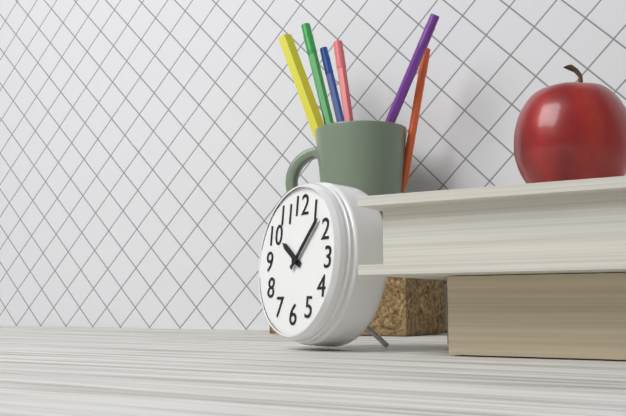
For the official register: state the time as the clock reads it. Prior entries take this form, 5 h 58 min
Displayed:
10 h 07 min
